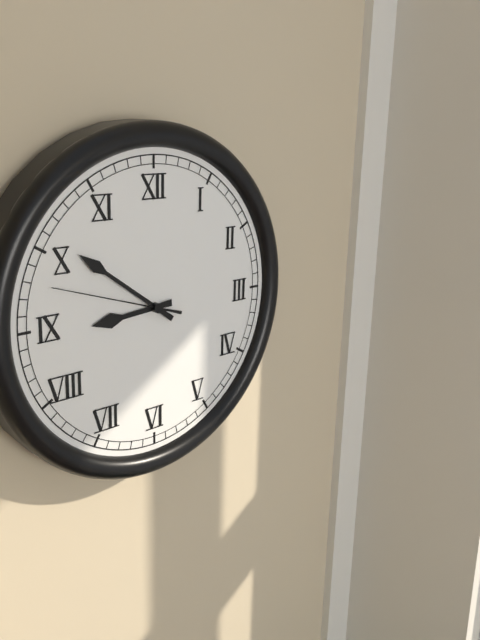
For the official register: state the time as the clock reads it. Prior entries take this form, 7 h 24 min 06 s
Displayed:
8 h 51 min 48 s
